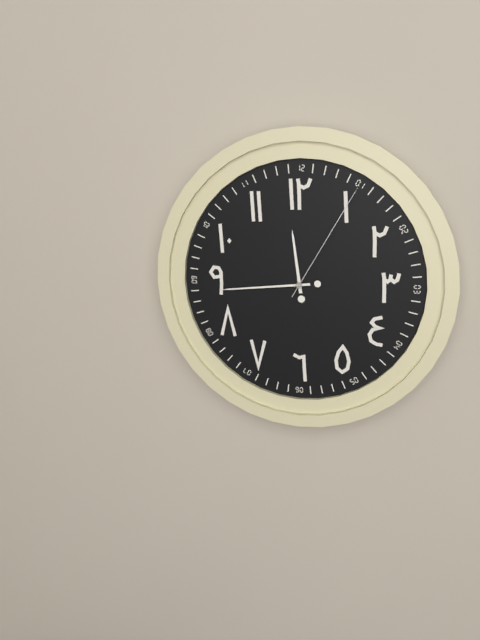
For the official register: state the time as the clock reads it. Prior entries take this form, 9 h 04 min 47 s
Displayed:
11 h 44 min 05 s
